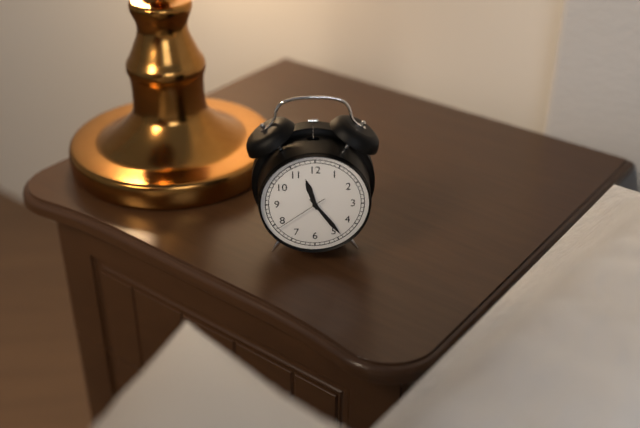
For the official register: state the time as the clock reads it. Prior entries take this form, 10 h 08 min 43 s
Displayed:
11 h 24 min 39 s
